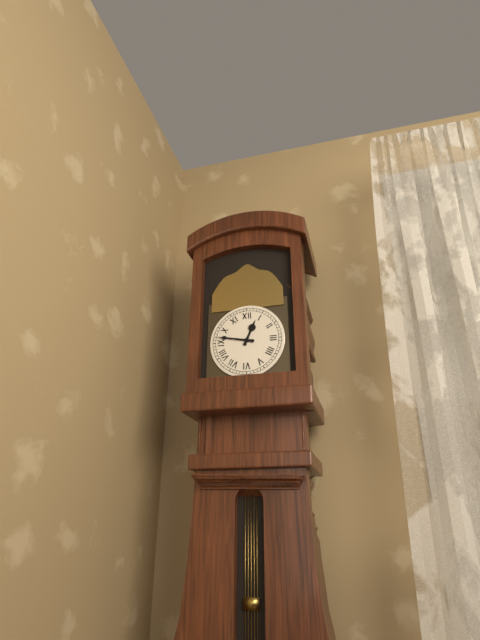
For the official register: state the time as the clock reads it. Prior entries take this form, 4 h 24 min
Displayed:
12 h 47 min
